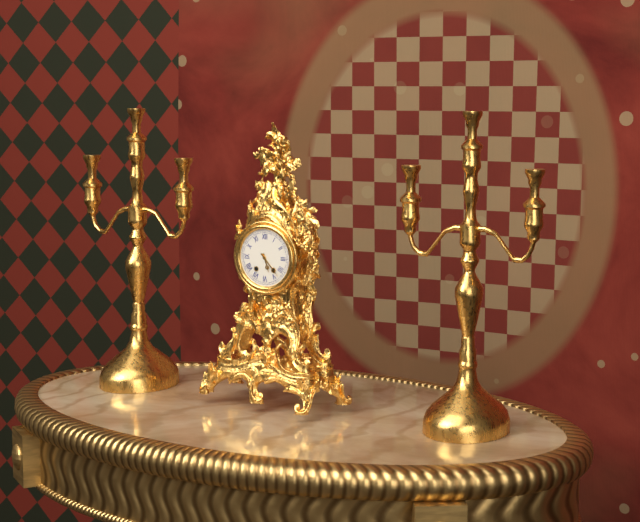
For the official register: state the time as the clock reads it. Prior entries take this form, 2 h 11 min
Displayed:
5 h 23 min
